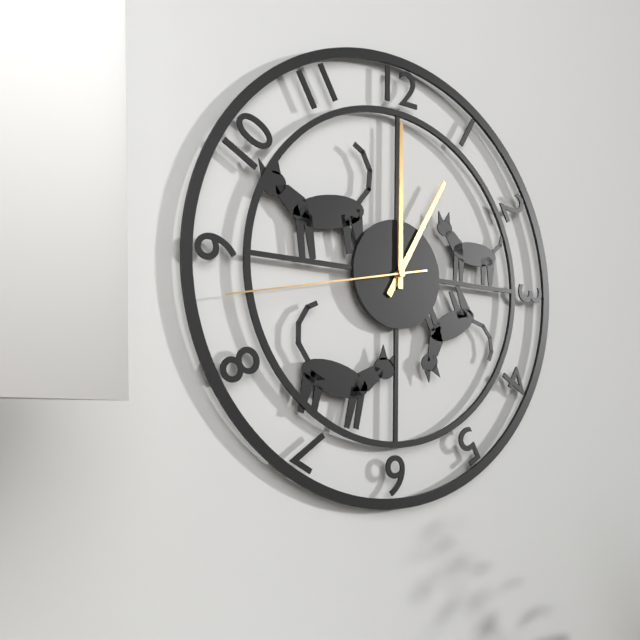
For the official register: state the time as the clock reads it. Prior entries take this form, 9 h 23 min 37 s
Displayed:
1 h 00 min 43 s
